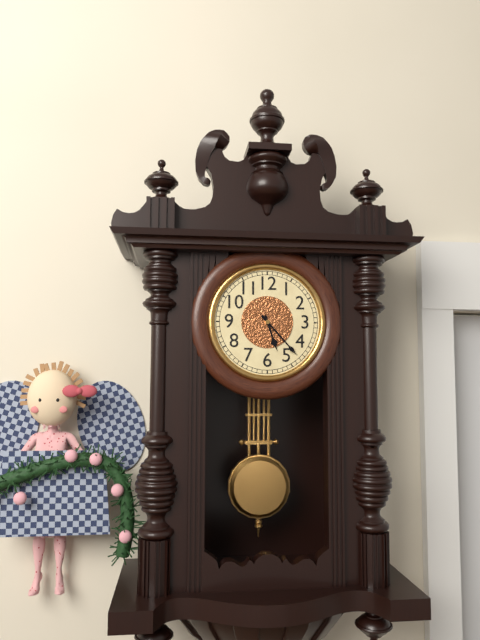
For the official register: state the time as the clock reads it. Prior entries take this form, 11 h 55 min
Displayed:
5 h 23 min
